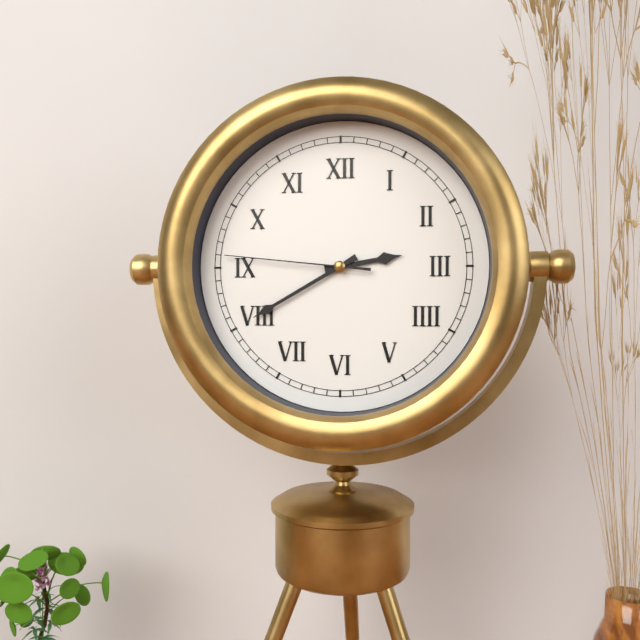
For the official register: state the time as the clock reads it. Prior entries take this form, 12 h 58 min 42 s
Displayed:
2 h 40 min 46 s
